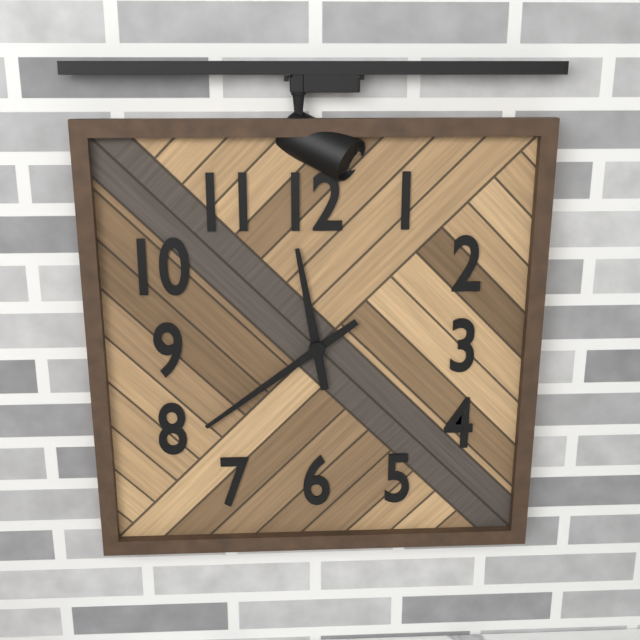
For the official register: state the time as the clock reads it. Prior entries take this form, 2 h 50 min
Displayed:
11 h 39 min
